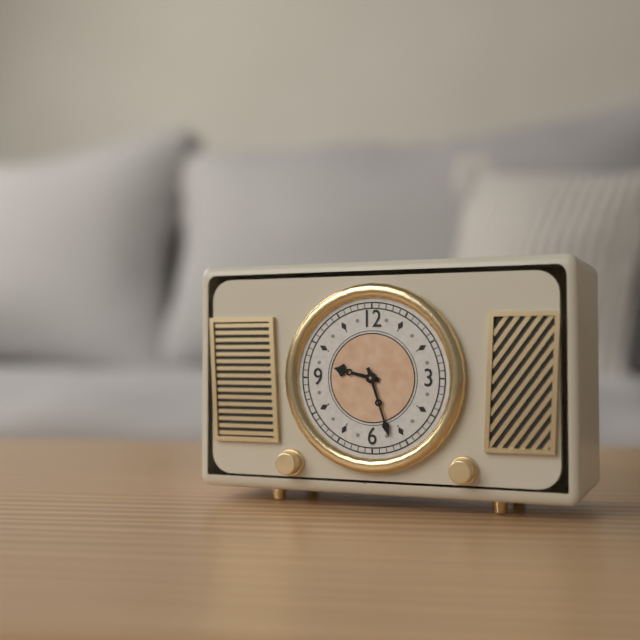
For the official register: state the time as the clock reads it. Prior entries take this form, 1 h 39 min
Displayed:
9 h 27 min
